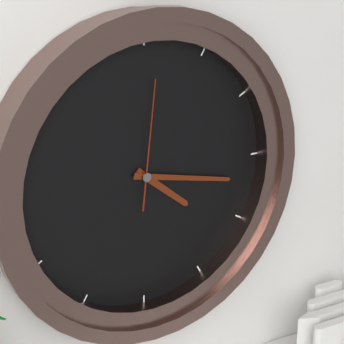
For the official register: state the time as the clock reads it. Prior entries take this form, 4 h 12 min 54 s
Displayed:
4 h 17 min 01 s
